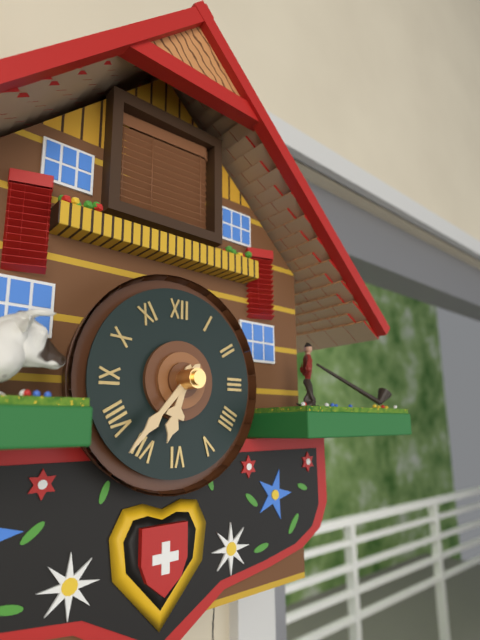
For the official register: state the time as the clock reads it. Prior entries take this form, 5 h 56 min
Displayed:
6 h 37 min
